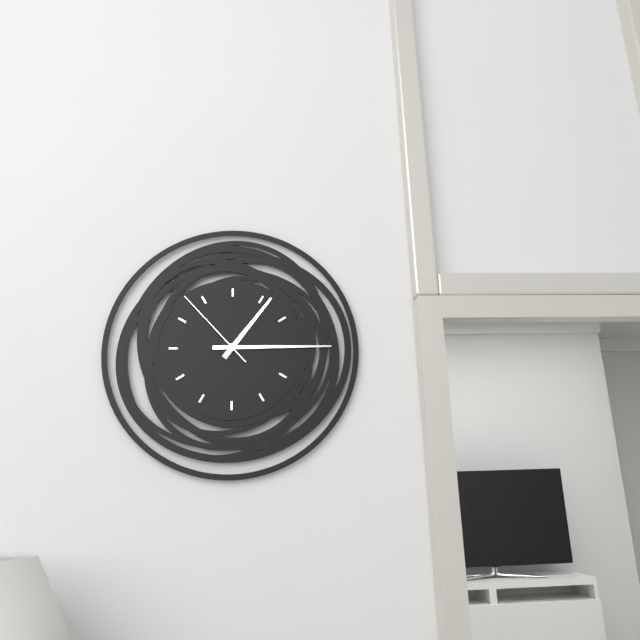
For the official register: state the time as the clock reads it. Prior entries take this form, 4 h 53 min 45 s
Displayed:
1 h 15 min 53 s
